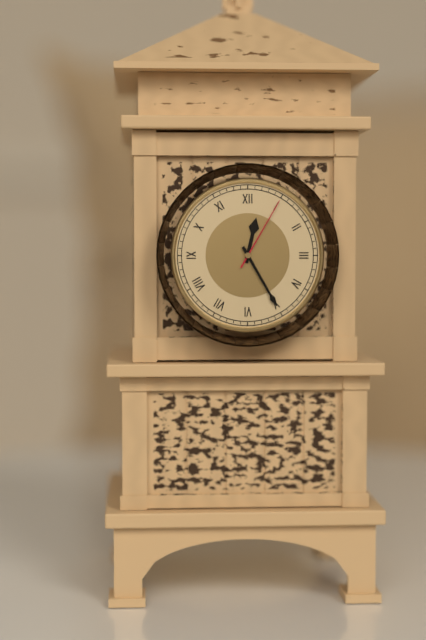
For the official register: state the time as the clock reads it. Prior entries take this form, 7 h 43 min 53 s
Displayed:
12 h 25 min 05 s
